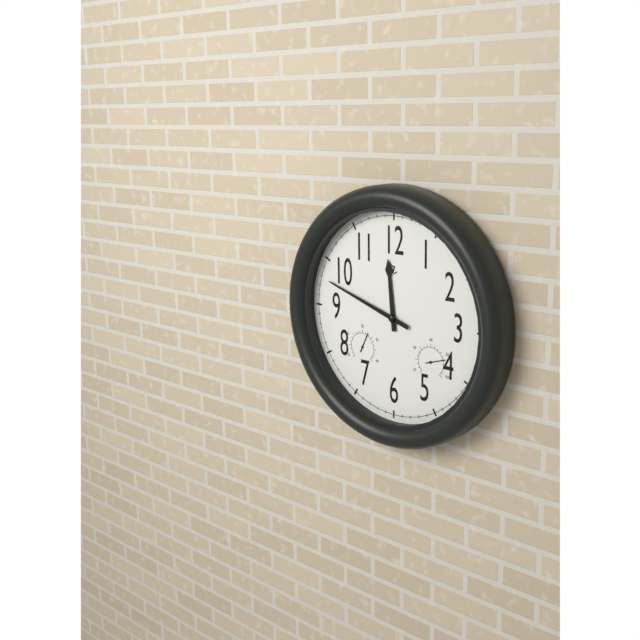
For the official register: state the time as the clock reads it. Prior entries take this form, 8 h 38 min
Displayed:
11 h 48 min
